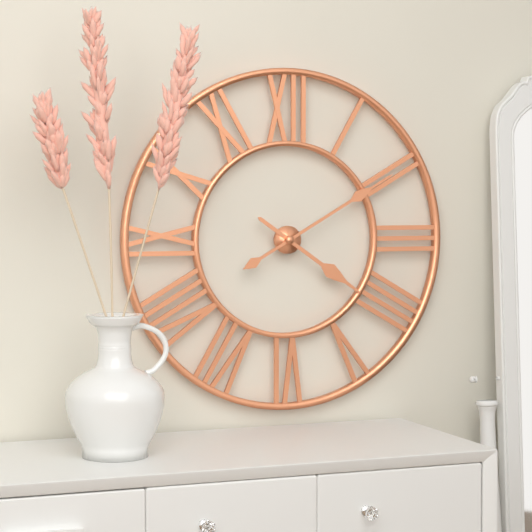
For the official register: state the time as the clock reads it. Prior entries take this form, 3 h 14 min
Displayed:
4 h 10 min
